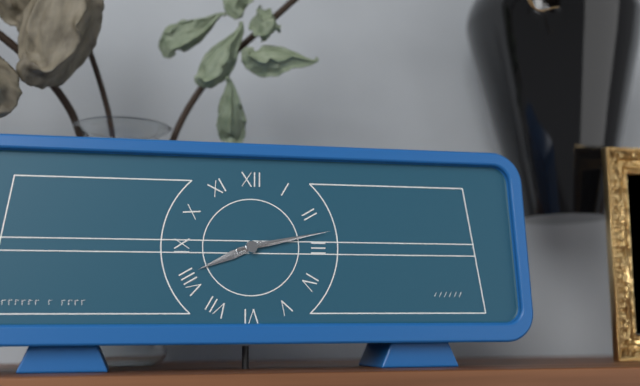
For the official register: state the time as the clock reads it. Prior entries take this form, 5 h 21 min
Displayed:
8 h 13 min
